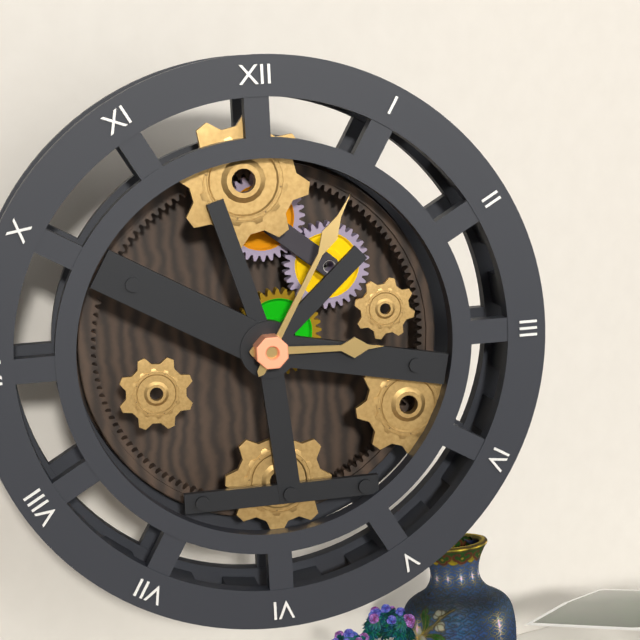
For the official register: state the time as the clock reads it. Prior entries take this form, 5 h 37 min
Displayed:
3 h 05 min
